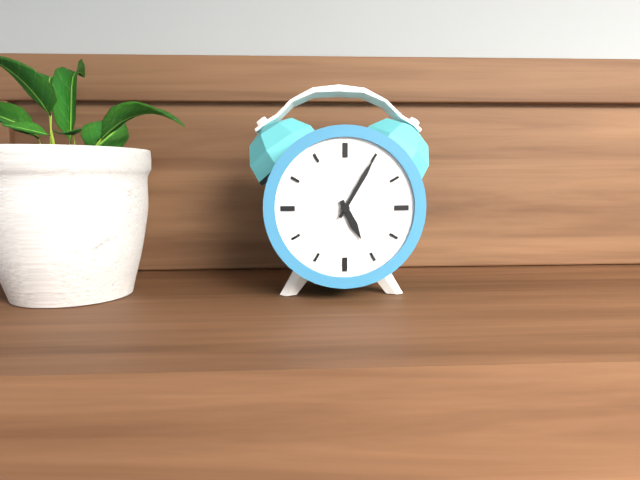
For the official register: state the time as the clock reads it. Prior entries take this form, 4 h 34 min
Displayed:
5 h 05 min
